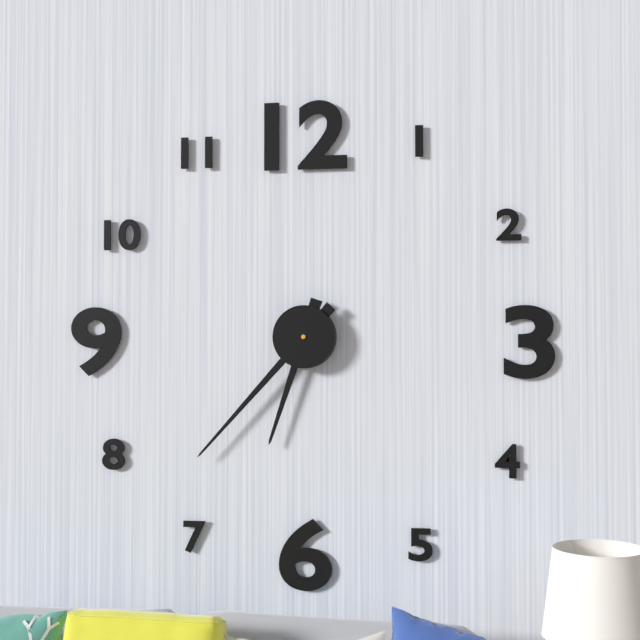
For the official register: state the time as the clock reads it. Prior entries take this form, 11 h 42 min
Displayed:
6 h 37 min
